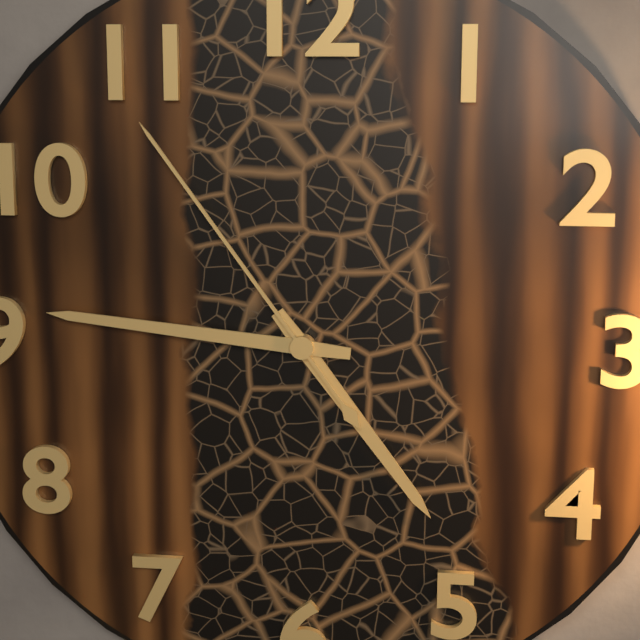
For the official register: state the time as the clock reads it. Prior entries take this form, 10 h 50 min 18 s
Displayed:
4 h 46 min 54 s
